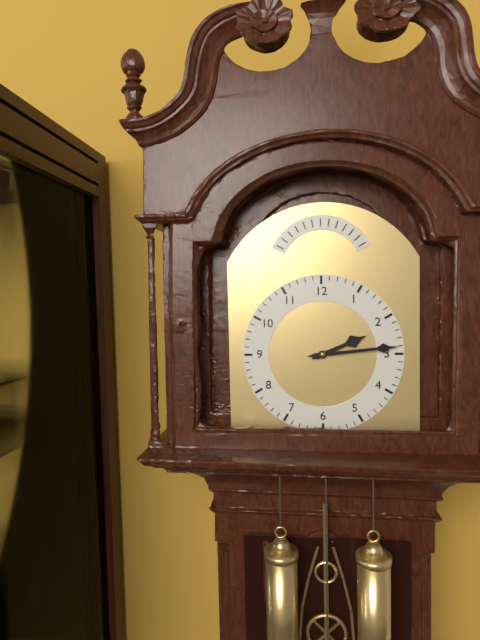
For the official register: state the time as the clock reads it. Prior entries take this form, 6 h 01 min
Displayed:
2 h 14 min
